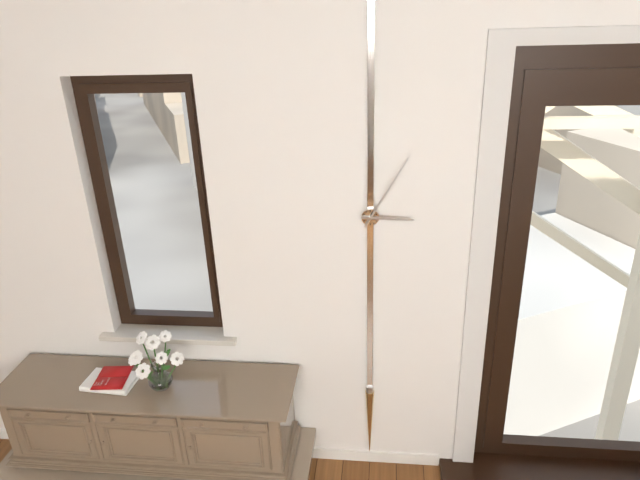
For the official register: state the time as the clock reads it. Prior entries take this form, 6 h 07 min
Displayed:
3 h 05 min
